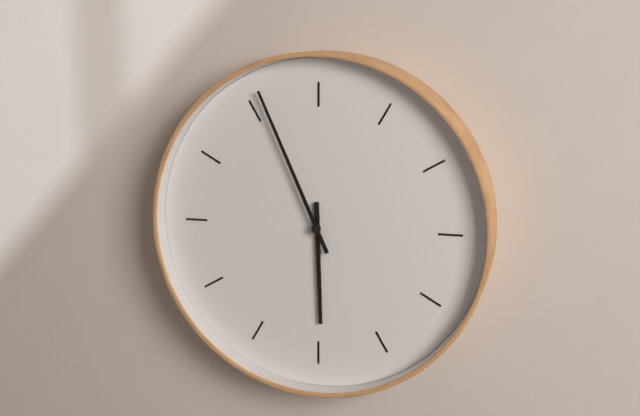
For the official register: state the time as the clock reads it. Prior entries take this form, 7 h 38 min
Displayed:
5 h 56 min
